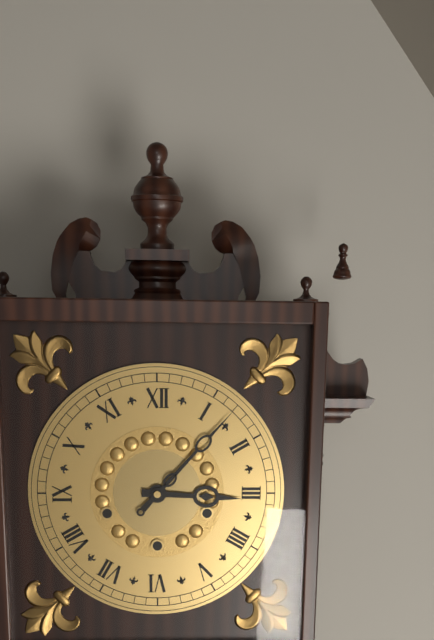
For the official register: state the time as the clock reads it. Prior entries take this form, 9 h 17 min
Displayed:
3 h 07 min
